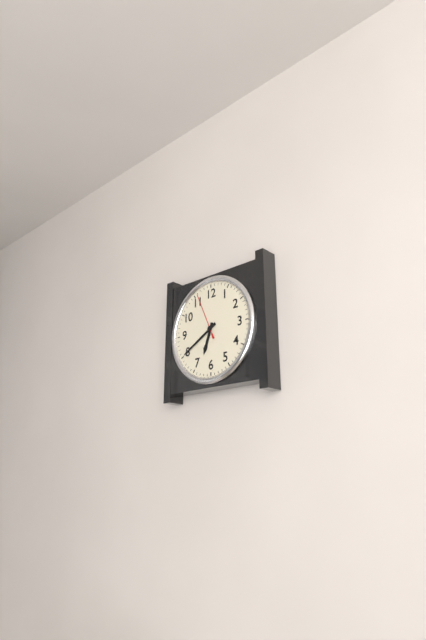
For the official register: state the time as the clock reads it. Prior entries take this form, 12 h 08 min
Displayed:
6 h 40 min
